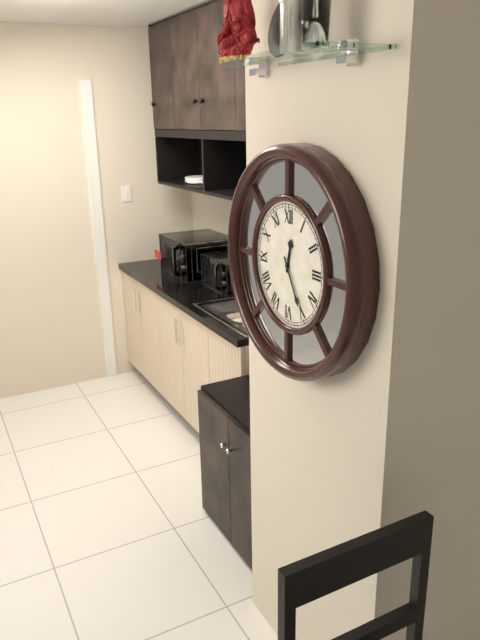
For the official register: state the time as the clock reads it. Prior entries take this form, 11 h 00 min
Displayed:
12 h 25 min
